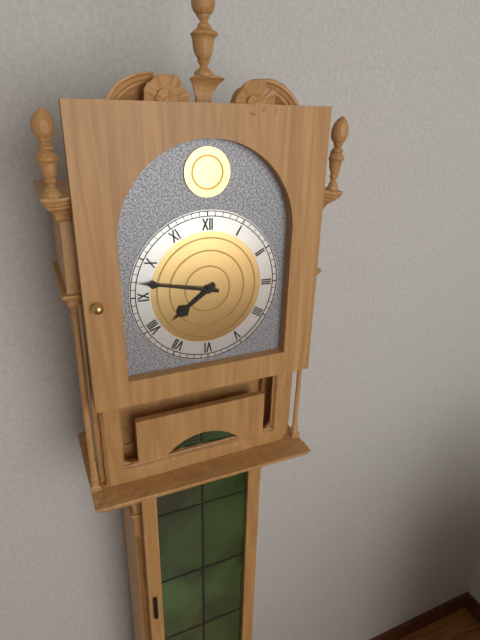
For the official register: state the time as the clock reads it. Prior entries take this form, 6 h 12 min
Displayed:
7 h 47 min
